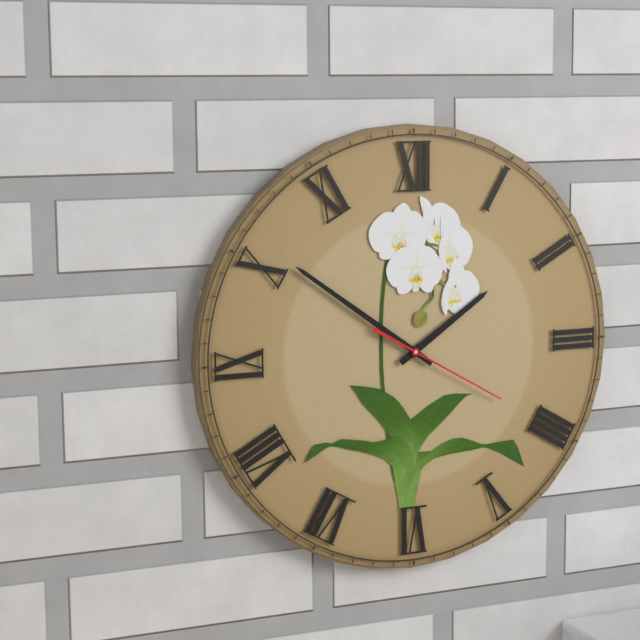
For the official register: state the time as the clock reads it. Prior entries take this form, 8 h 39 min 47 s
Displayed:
1 h 51 min 20 s
